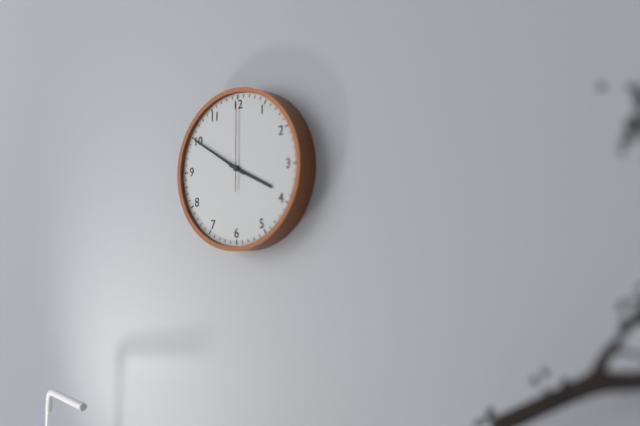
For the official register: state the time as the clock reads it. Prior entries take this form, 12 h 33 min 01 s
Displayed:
3 h 50 min 00 s
